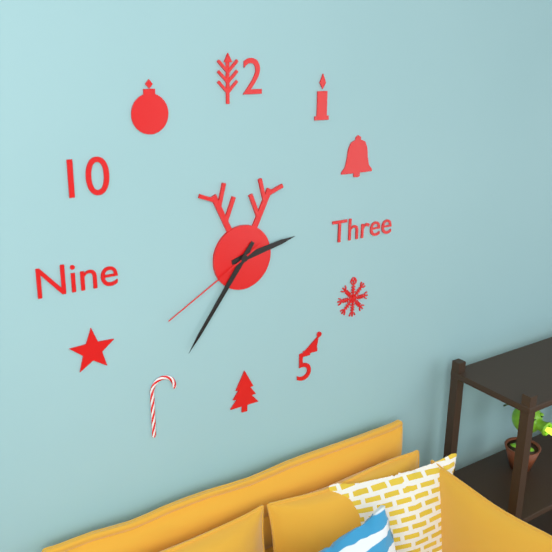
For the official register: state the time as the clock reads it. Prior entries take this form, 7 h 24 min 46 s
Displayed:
2 h 36 min 40 s
